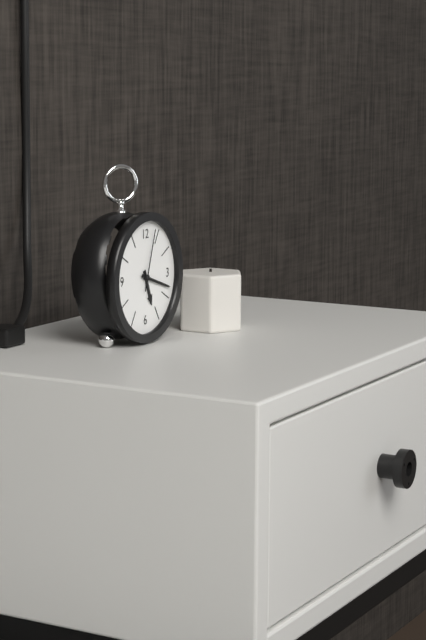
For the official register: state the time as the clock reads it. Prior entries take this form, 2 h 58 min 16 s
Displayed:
5 h 18 min 03 s
